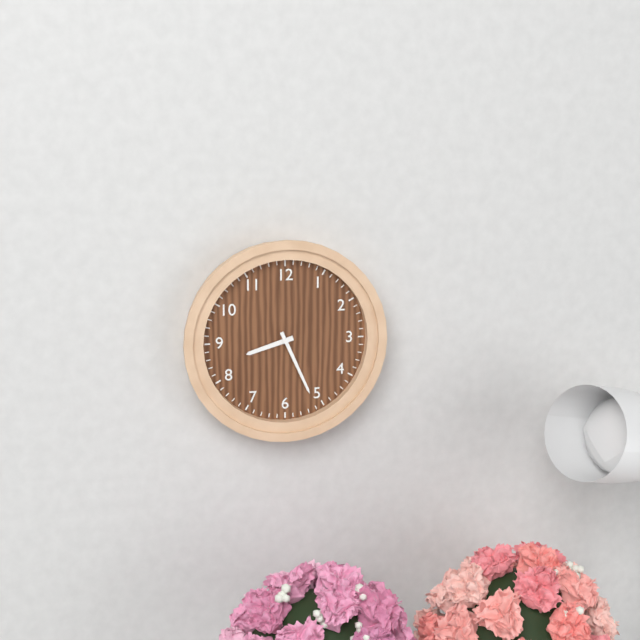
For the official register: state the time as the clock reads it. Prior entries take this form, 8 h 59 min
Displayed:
8 h 26 min
